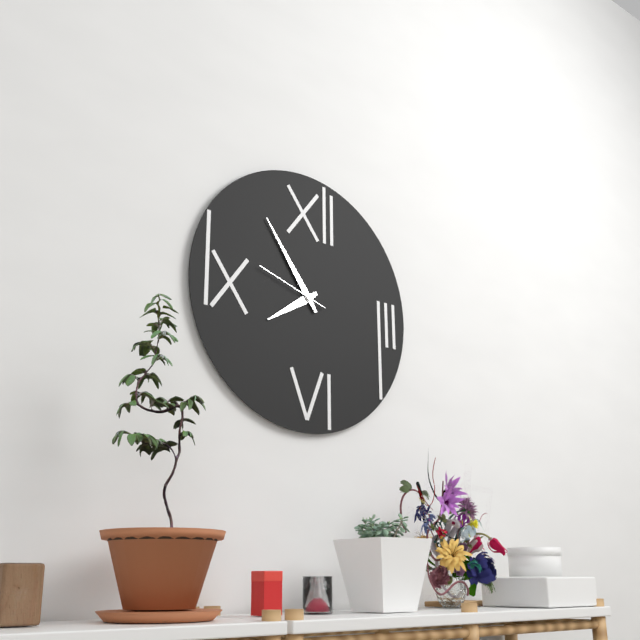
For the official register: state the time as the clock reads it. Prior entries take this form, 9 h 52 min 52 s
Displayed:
7 h 54 min 48 s
